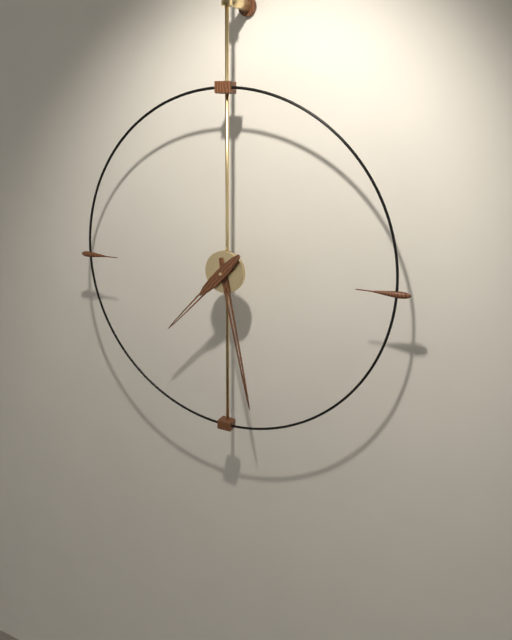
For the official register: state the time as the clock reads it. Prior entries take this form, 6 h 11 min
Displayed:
7 h 28 min
